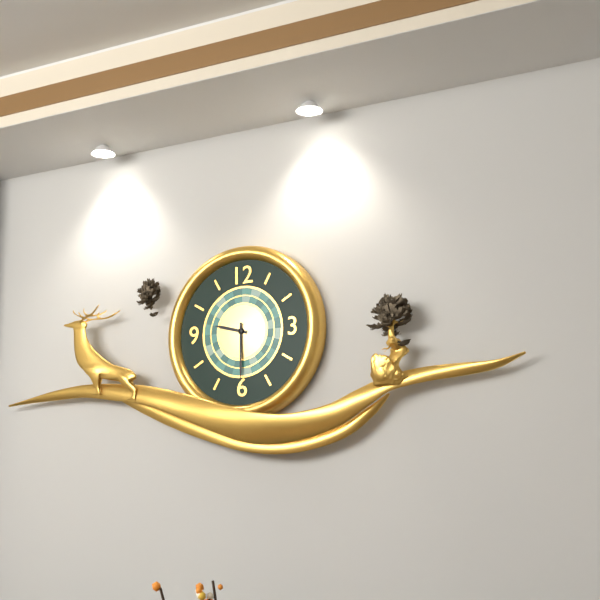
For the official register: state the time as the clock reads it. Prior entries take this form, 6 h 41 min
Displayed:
9 h 30 min
